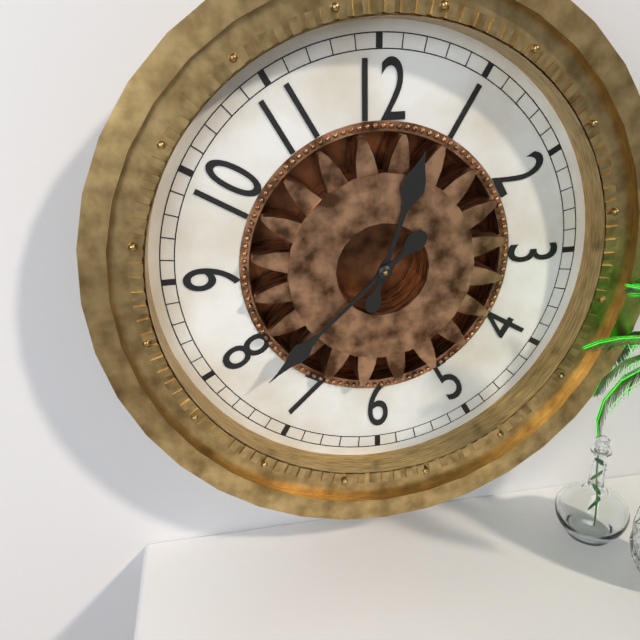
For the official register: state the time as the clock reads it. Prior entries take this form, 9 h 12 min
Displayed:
12 h 38 min
